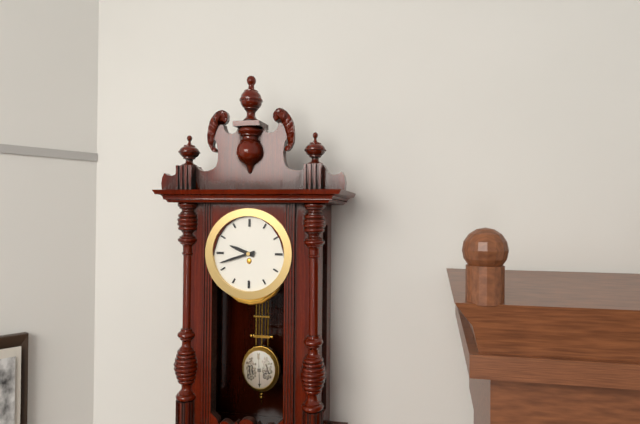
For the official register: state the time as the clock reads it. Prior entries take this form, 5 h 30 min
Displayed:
9 h 42 min
